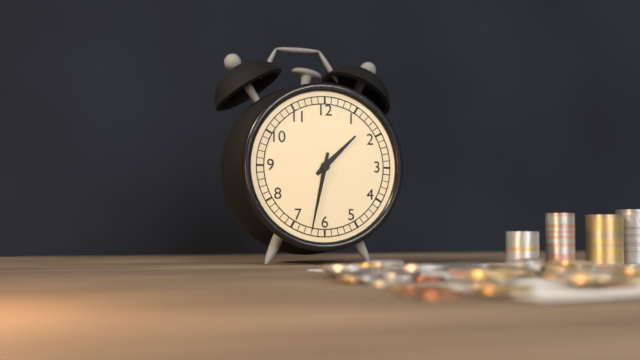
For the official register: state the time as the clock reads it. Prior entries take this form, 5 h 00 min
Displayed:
1 h 32 min
